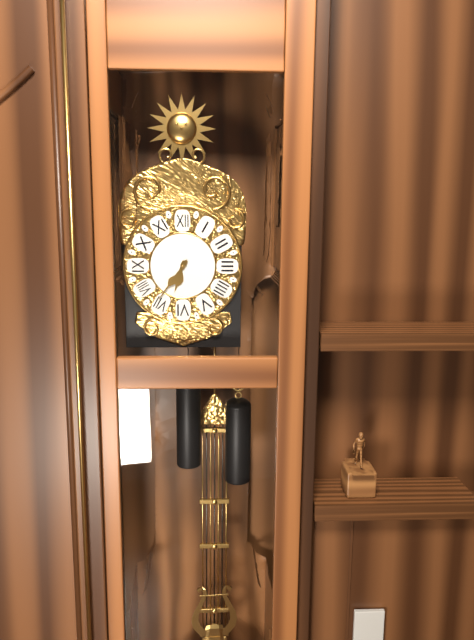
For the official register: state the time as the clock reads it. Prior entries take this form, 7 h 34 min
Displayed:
6 h 36 min
